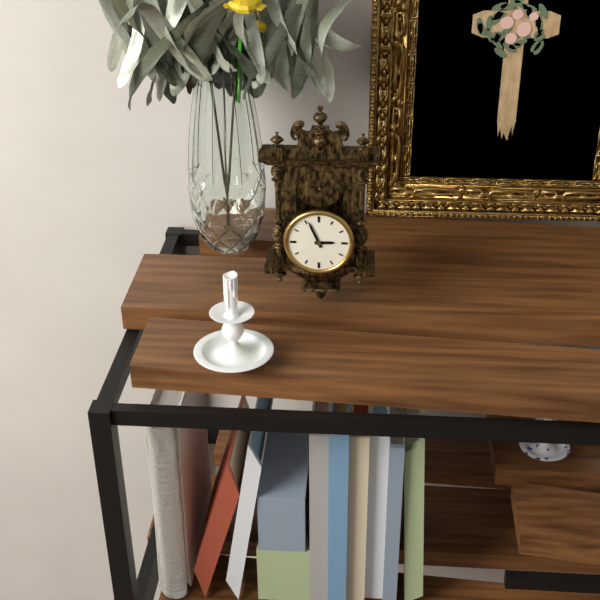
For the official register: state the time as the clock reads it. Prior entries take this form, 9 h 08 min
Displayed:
2 h 56 min
